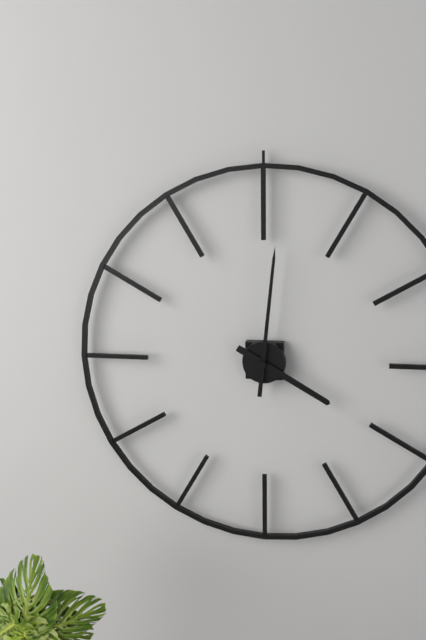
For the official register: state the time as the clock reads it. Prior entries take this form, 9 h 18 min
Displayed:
4 h 01 min
